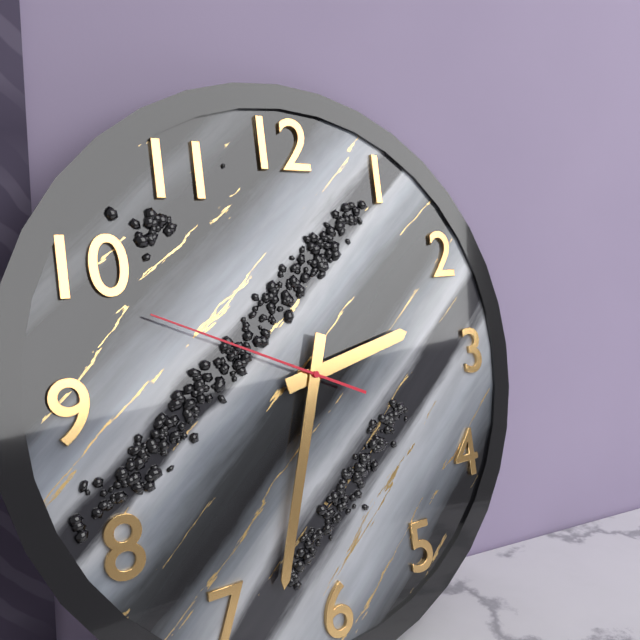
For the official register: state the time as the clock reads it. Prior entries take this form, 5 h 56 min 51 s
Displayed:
2 h 33 min 49 s
